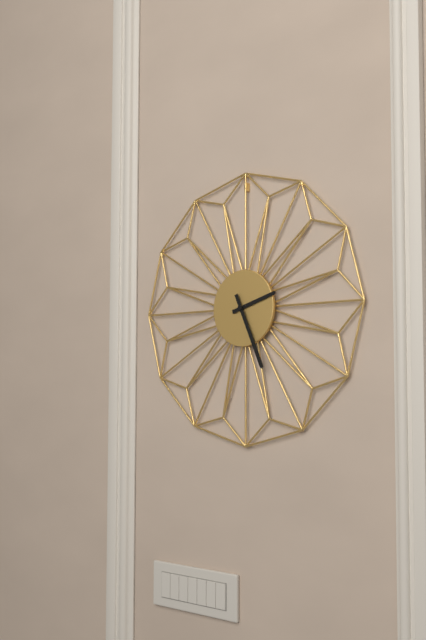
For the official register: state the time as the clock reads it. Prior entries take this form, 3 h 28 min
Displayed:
2 h 26 min
